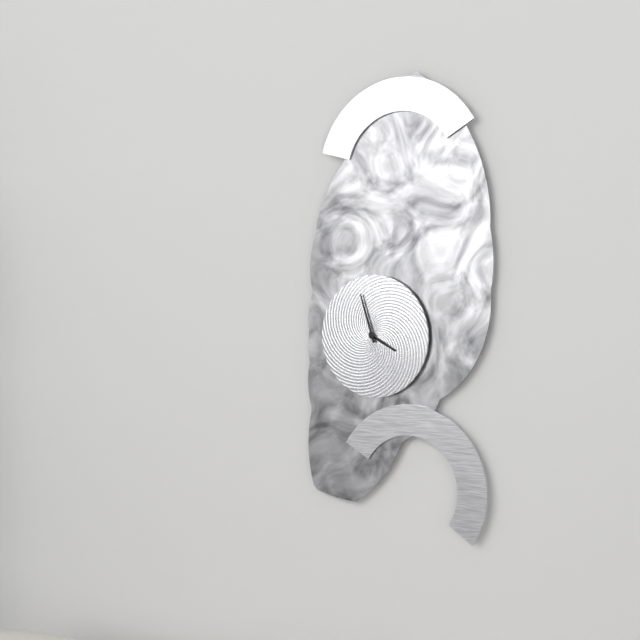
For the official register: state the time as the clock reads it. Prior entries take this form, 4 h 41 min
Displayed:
3 h 57 min
